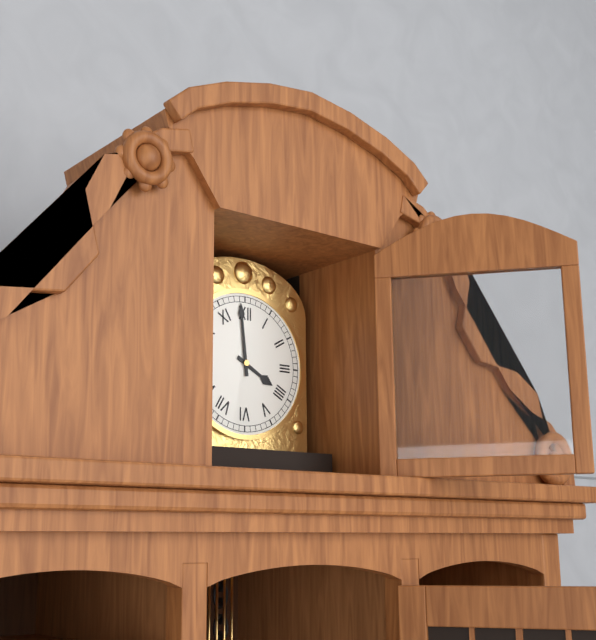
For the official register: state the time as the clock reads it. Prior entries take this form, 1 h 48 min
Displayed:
3 h 59 min
